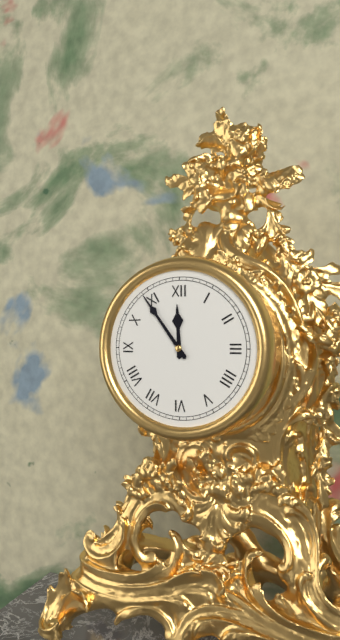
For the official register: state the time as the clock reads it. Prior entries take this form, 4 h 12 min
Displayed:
11 h 54 min
